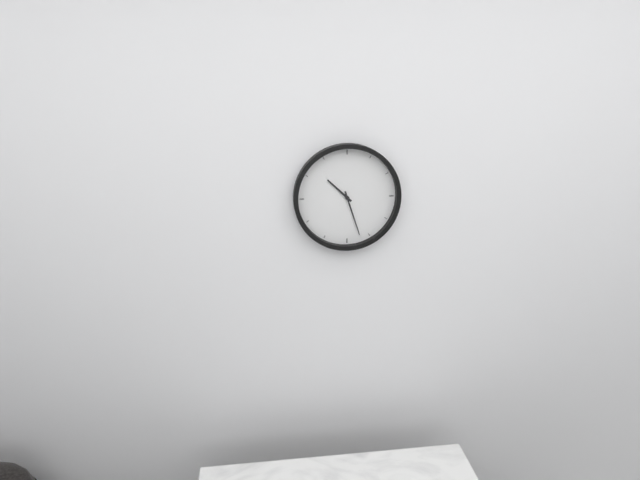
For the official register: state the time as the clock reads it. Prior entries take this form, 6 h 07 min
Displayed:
10 h 27 min
